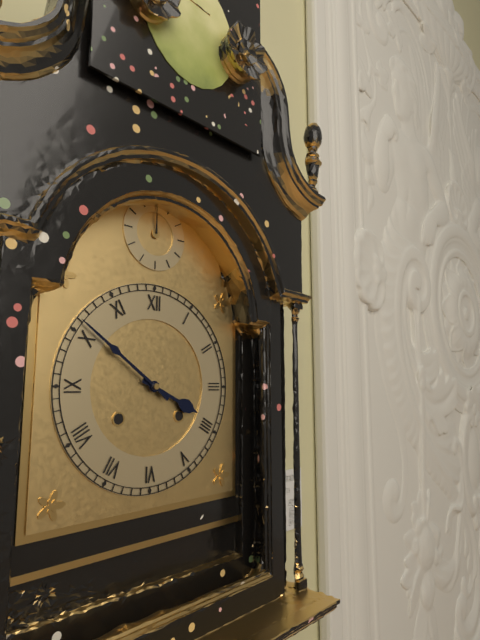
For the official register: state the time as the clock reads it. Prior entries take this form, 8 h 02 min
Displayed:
3 h 51 min
